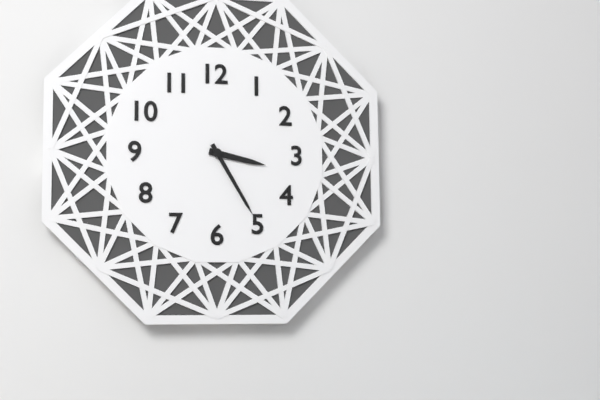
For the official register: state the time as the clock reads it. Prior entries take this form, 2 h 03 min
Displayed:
3 h 25 min
